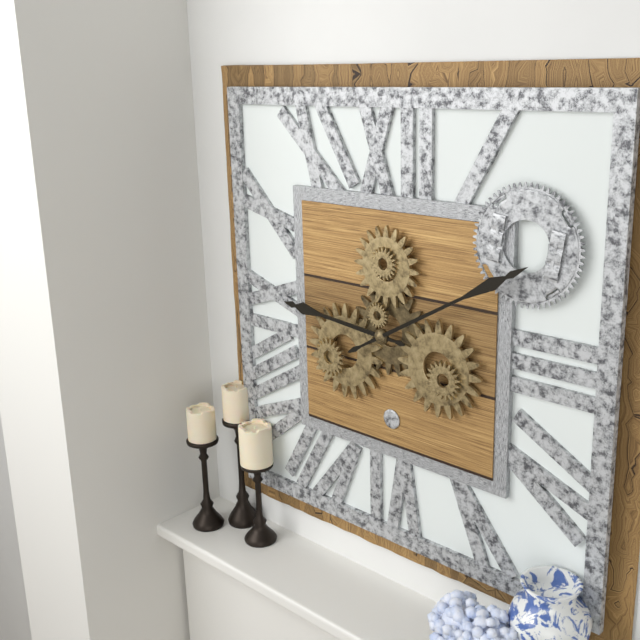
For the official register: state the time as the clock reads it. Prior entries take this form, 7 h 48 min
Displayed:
9 h 10 min
